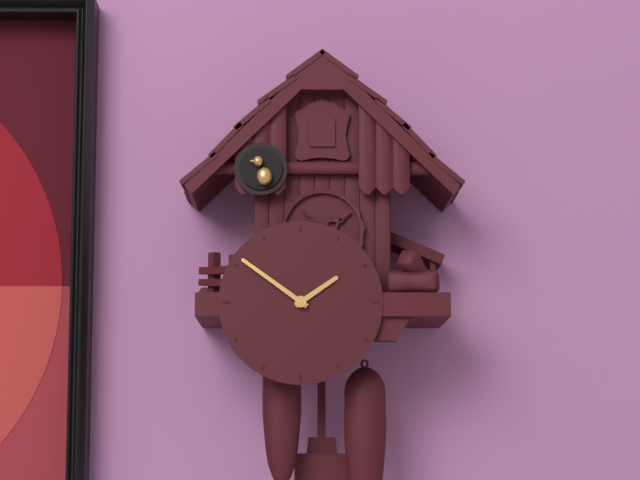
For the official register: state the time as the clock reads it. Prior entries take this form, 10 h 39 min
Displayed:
1 h 51 min
